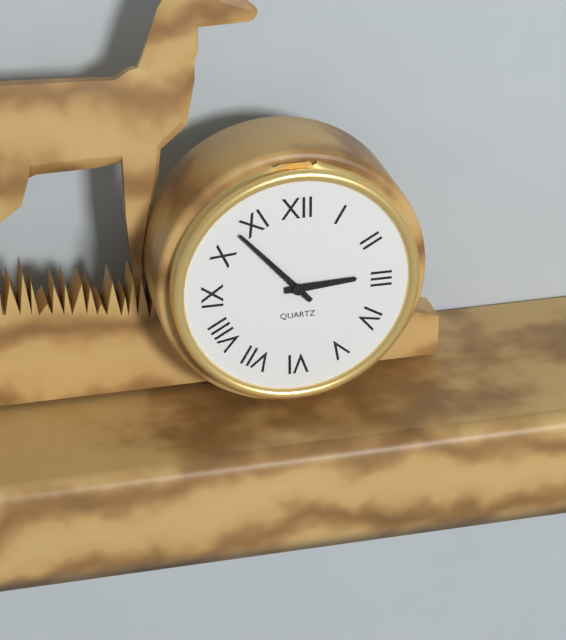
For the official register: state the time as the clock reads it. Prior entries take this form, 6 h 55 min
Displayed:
2 h 53 min
